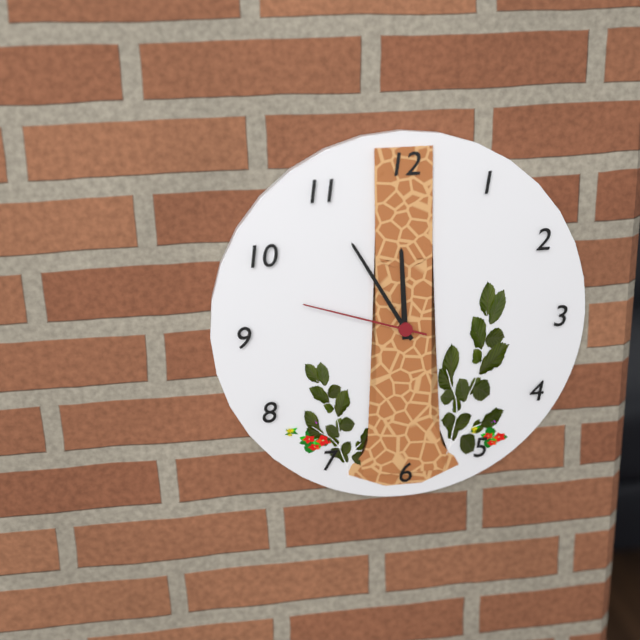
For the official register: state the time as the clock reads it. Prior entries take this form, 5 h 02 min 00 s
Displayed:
11 h 55 min 48 s
